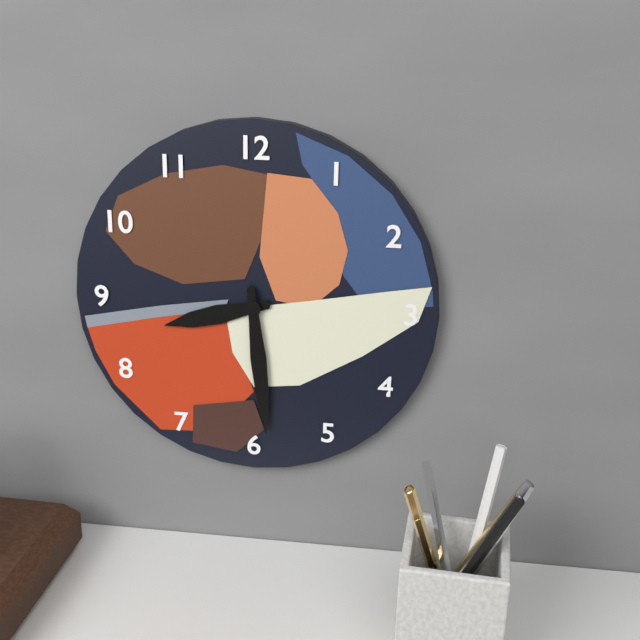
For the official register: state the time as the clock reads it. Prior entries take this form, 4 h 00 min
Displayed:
8 h 29 min
